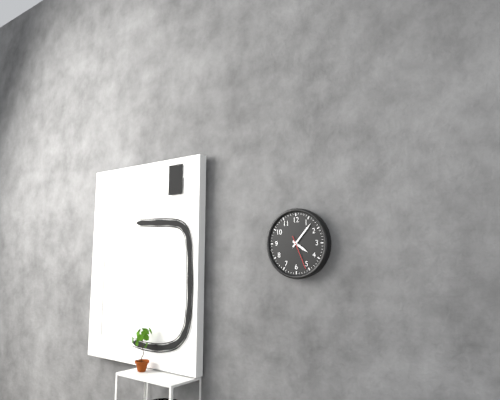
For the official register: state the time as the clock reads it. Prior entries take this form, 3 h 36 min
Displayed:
4 h 07 min
